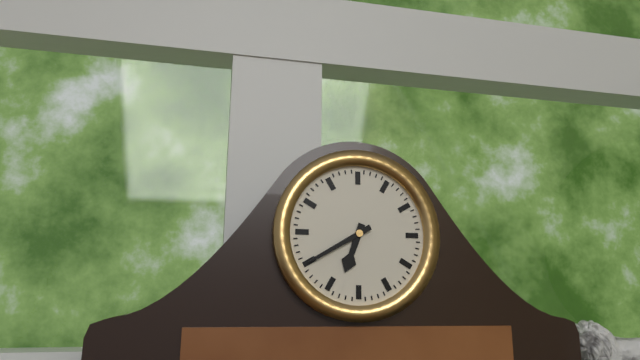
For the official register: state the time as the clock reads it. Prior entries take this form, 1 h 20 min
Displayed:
6 h 40 min
